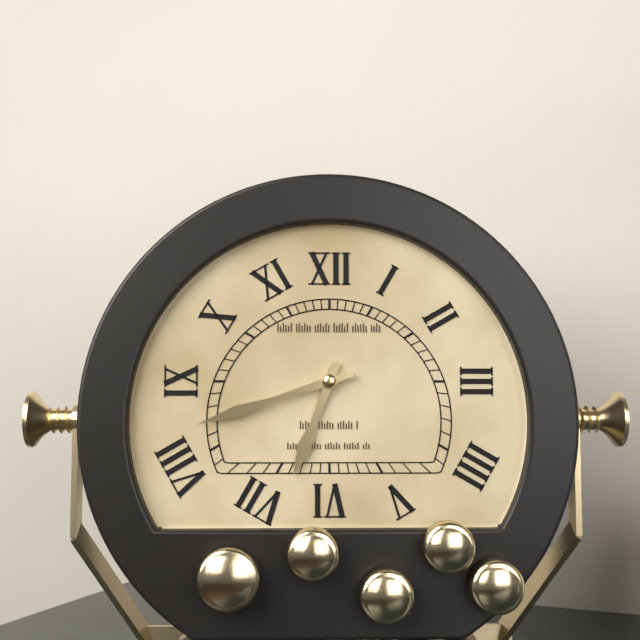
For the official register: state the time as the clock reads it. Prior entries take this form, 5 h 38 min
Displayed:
6 h 42 min
